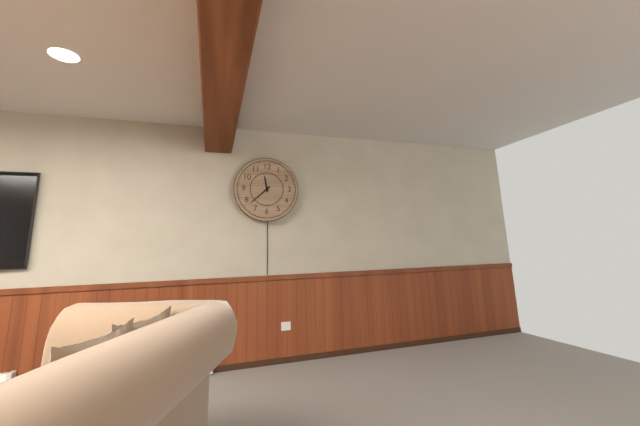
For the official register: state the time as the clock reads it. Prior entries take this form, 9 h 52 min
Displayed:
11 h 38 min
